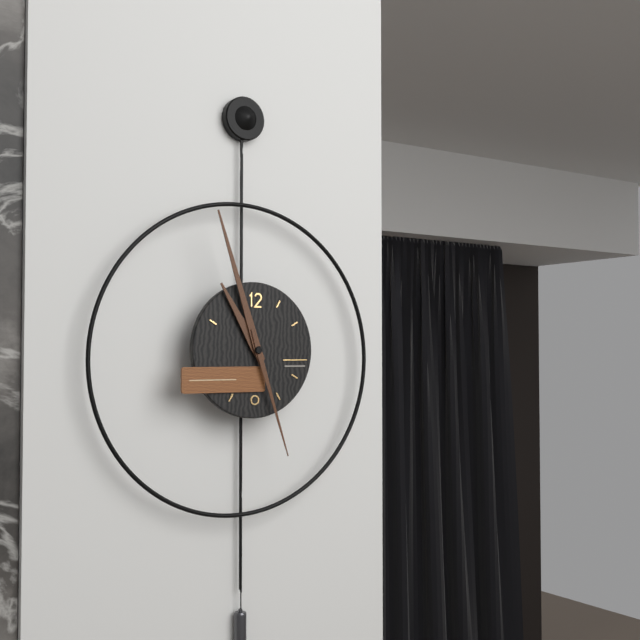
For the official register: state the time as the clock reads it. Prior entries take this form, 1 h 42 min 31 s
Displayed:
10 h 57 min 27 s
